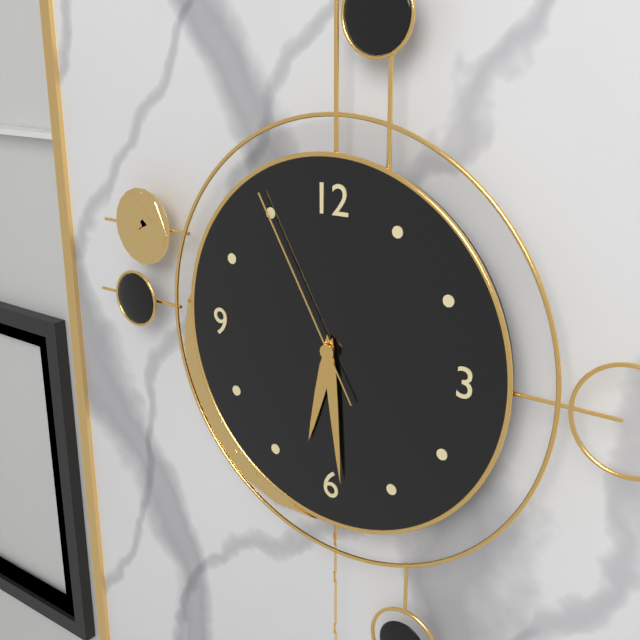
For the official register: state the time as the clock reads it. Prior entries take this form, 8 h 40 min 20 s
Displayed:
6 h 29 min 55 s
